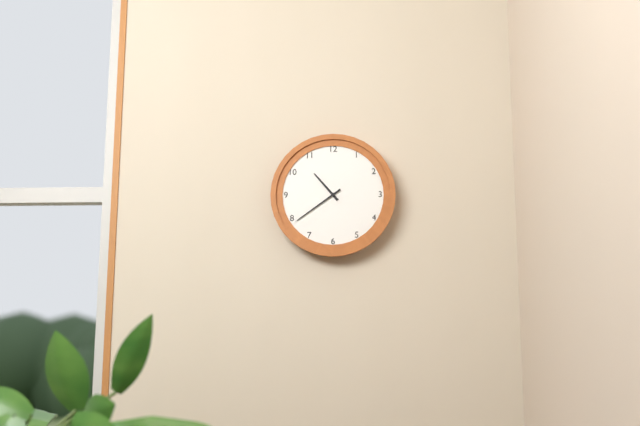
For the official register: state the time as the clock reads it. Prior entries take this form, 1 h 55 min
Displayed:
10 h 39 min
